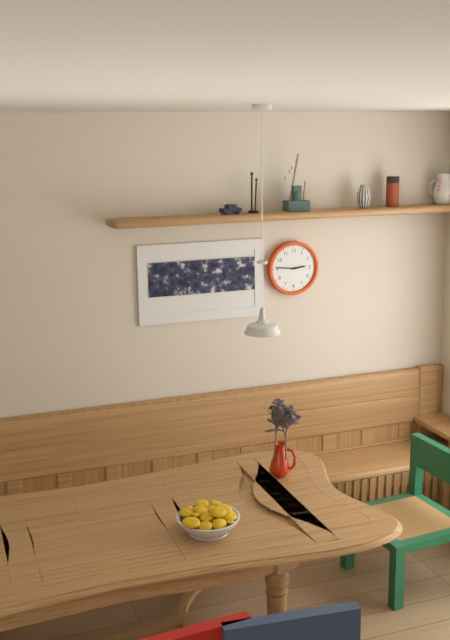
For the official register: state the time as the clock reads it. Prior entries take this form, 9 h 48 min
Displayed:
2 h 46 min
